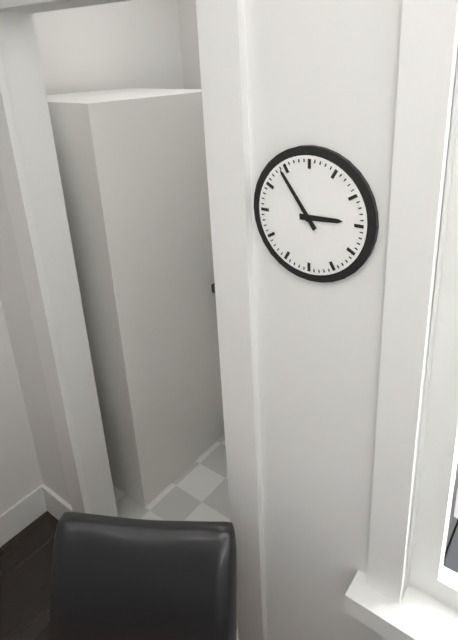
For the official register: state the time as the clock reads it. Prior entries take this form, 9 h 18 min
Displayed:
2 h 54 min
